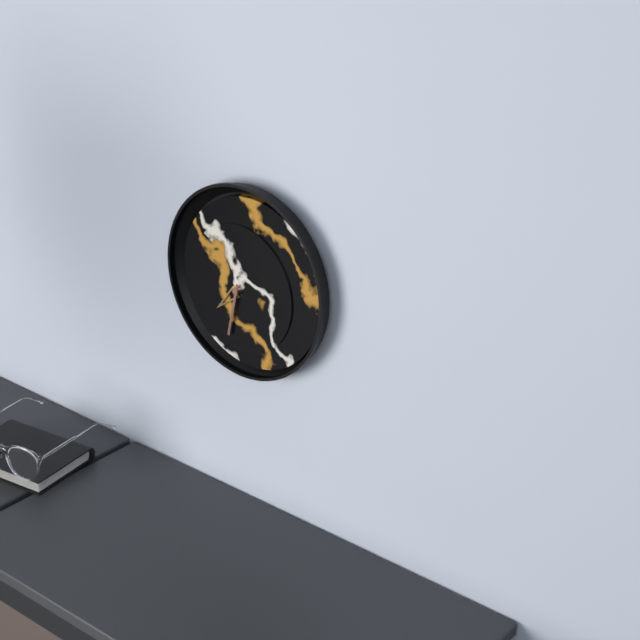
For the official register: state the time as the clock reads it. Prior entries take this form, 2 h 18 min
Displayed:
7 h 32 min
